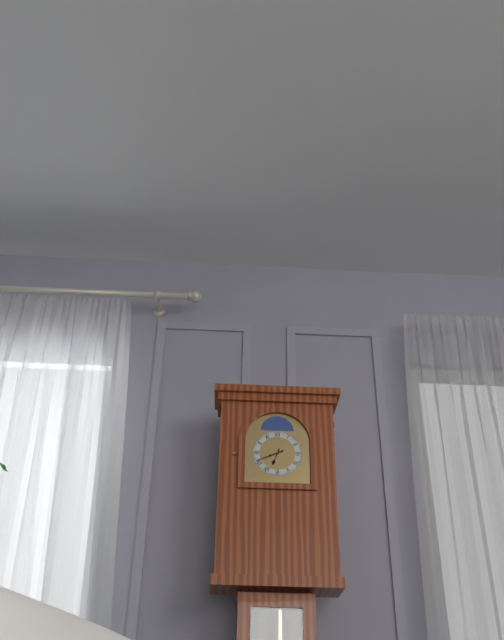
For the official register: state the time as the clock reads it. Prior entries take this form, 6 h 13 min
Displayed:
6 h 41 min
